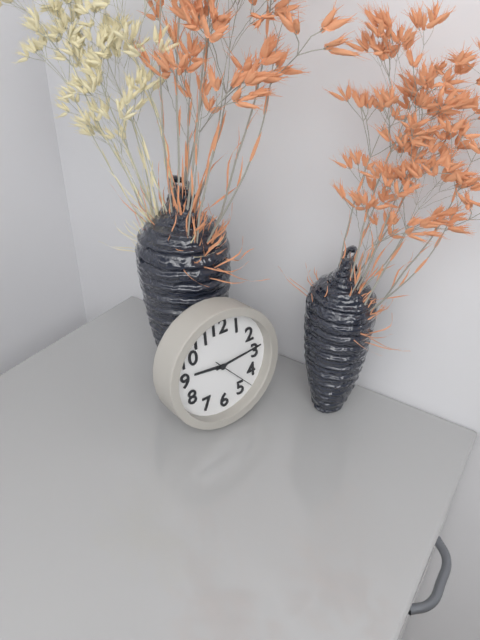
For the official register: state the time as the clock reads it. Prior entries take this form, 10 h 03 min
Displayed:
9 h 14 min
